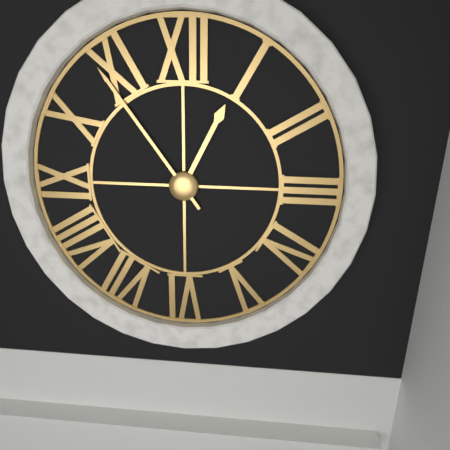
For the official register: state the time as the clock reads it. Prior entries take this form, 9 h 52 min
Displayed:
12 h 54 min
